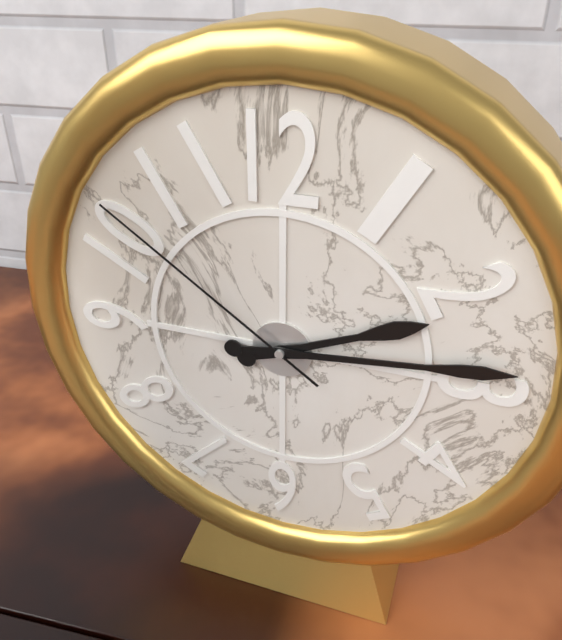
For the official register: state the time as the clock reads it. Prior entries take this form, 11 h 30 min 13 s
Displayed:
2 h 14 min 51 s
